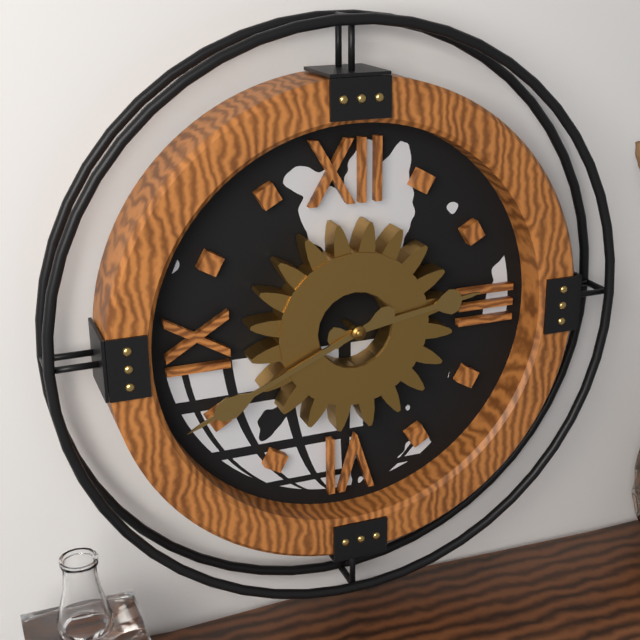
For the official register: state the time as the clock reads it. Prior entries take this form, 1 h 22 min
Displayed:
2 h 41 min
